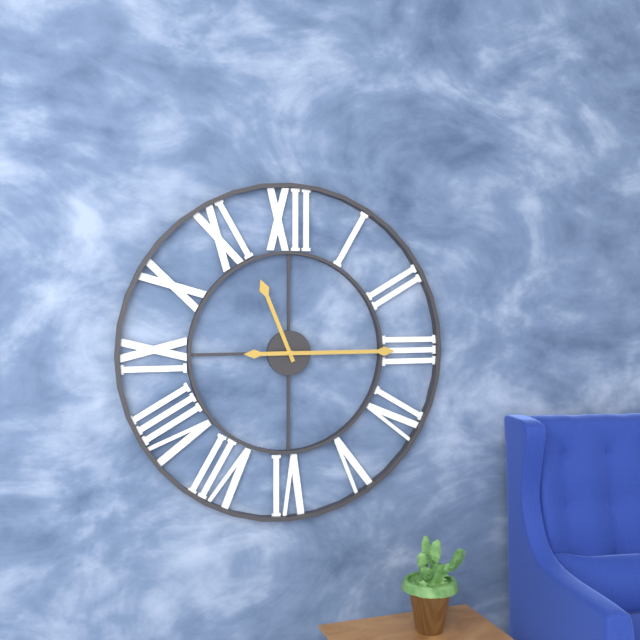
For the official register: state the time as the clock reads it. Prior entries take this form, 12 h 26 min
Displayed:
11 h 15 min
